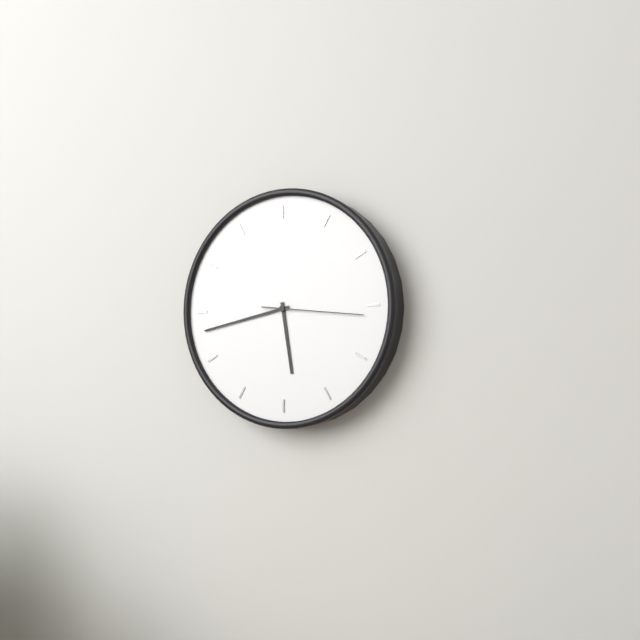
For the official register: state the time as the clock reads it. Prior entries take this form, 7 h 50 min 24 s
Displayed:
5 h 43 min 16 s
